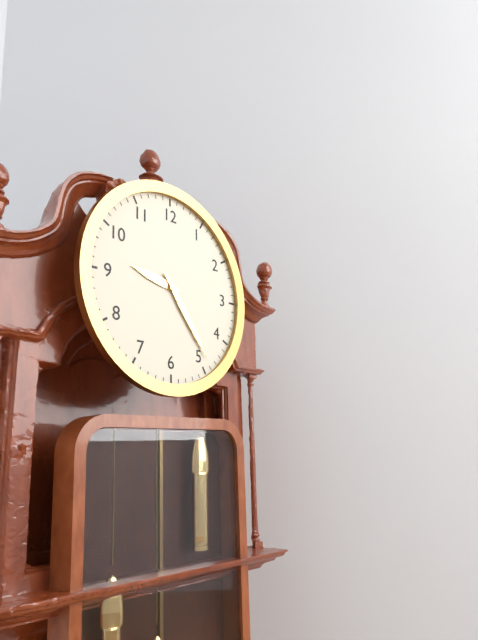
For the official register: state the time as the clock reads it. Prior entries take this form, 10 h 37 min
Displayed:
9 h 24 min
